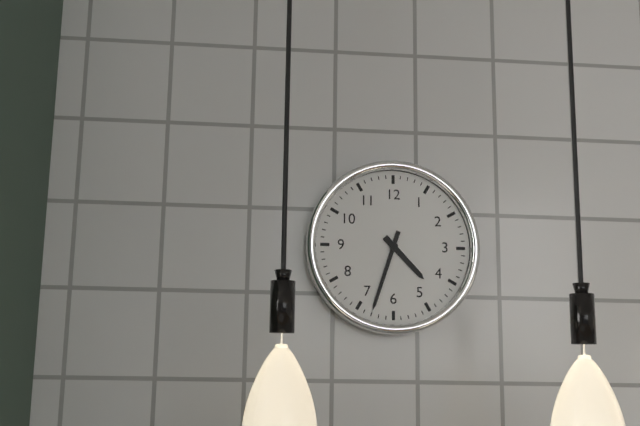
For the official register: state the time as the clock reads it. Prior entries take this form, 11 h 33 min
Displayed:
4 h 33 min
